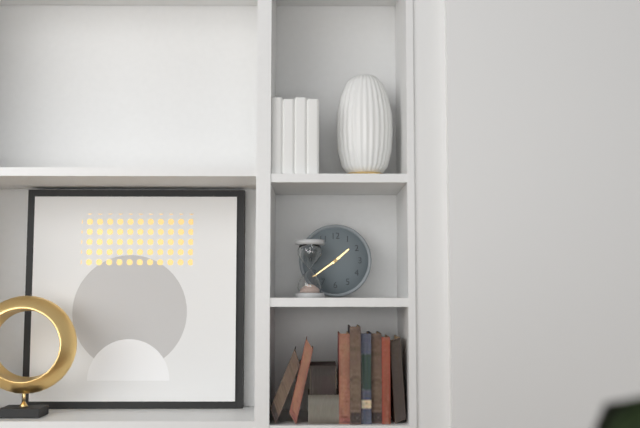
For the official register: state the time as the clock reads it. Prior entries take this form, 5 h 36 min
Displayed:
1 h 39 min
